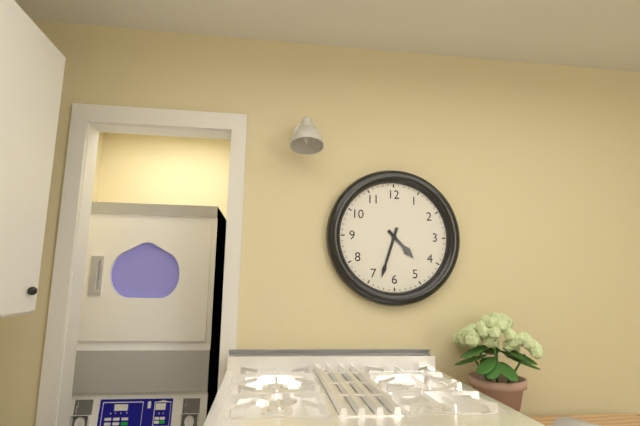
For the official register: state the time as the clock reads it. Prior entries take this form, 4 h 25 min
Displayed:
4 h 33 min
